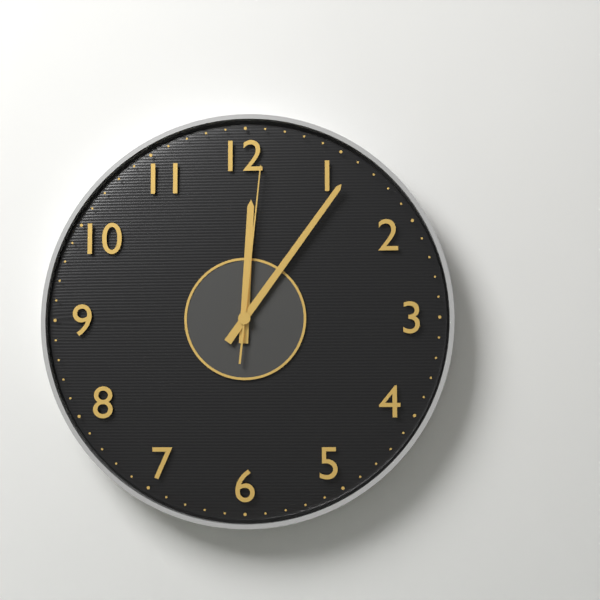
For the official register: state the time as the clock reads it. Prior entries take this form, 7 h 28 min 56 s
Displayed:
12 h 06 min 01 s
